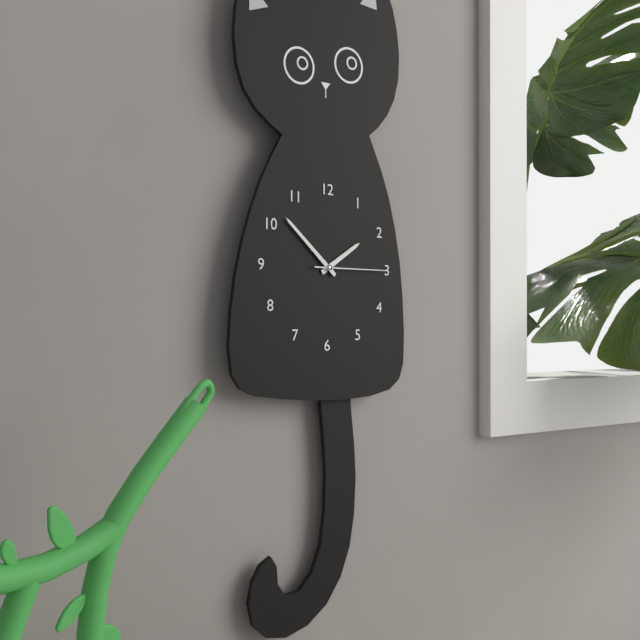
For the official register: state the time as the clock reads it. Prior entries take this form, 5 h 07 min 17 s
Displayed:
1 h 52 min 15 s
